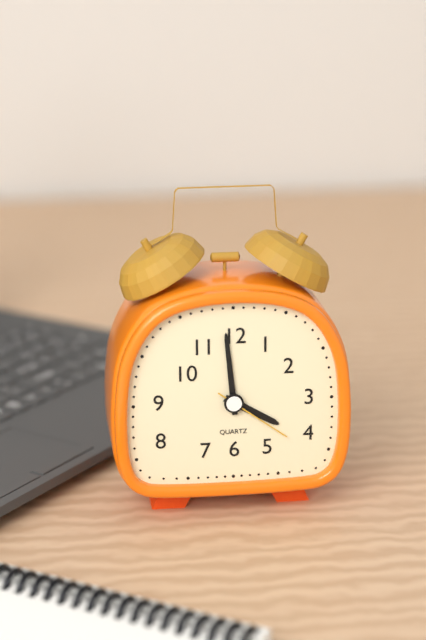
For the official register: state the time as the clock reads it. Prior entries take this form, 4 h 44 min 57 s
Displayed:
3 h 59 min 21 s
